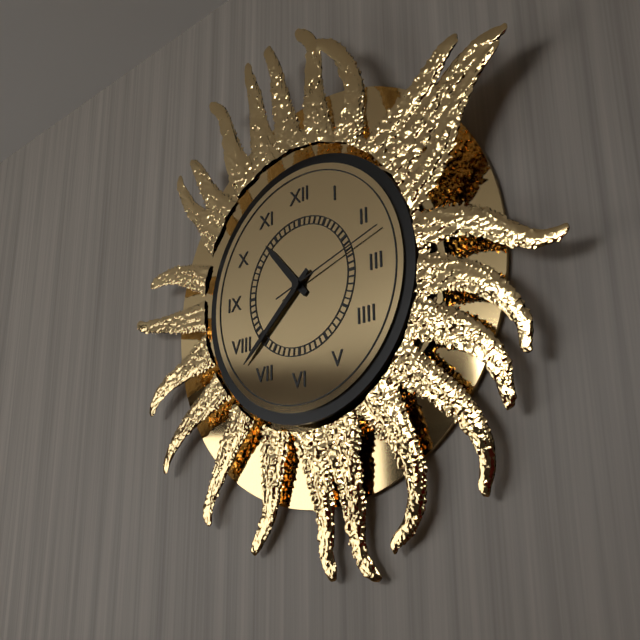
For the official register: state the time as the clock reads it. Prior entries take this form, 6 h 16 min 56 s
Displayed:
10 h 38 min 12 s
